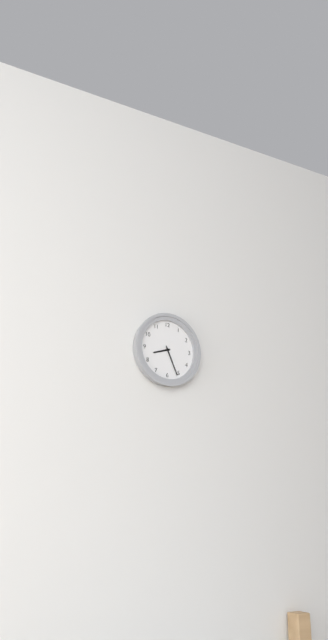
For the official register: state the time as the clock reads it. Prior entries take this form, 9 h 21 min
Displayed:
8 h 26 min
